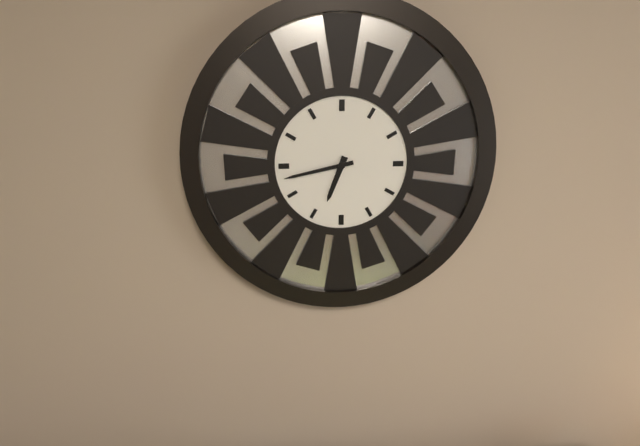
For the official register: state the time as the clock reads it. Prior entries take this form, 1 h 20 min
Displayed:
6 h 43 min
